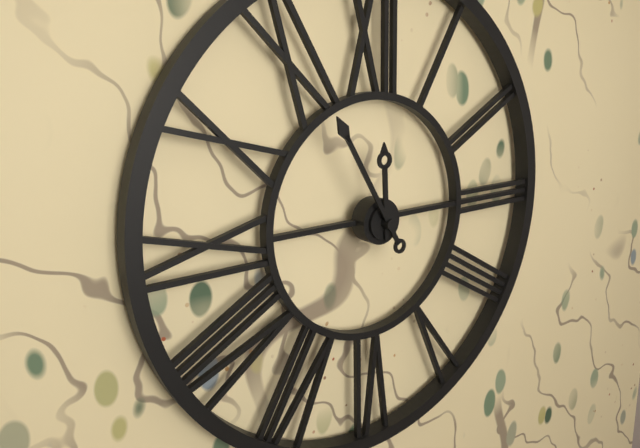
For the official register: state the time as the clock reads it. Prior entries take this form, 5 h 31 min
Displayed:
11 h 55 min
